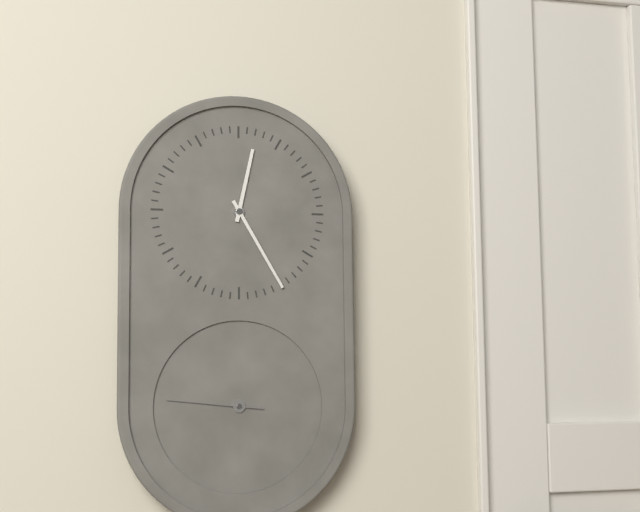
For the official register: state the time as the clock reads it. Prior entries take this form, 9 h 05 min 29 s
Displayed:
12 h 25 min 46 s
